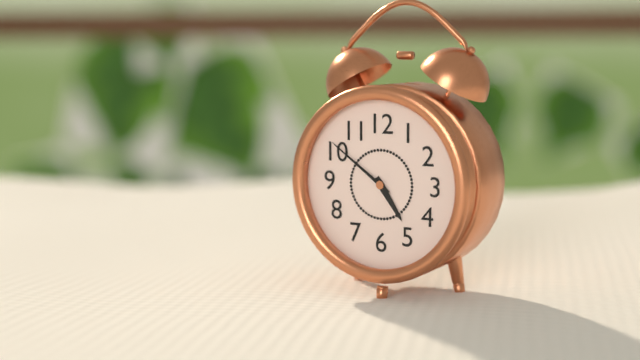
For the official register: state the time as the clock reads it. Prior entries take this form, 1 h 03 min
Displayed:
4 h 51 min
